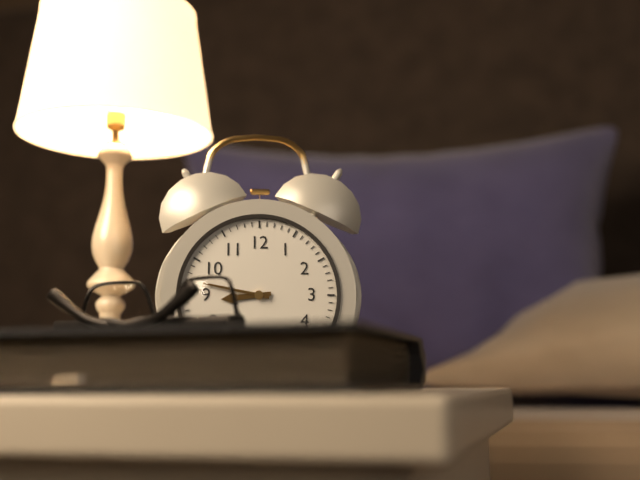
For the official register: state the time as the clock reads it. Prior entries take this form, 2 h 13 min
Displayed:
8 h 47 min
